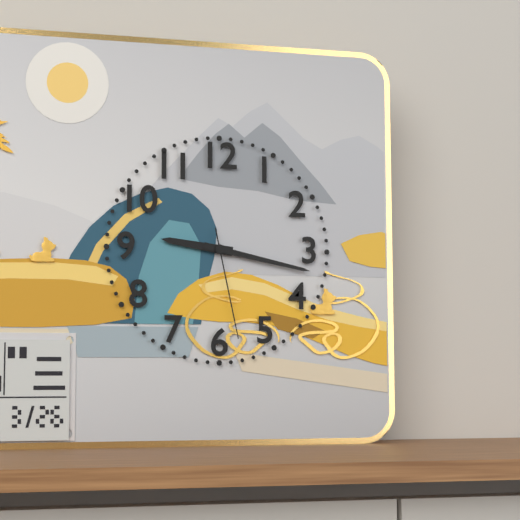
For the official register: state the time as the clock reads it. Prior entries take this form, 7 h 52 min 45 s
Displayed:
9 h 17 min 28 s
